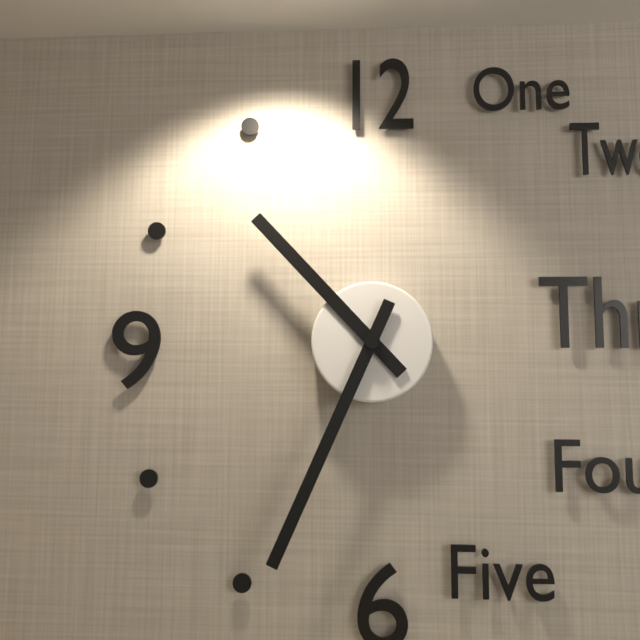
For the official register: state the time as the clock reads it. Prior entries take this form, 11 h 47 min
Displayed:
10 h 34 min
